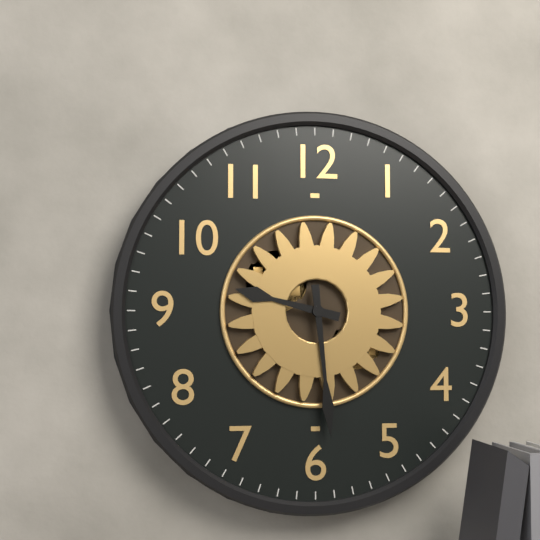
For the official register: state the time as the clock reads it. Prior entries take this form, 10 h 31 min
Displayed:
9 h 29 min
